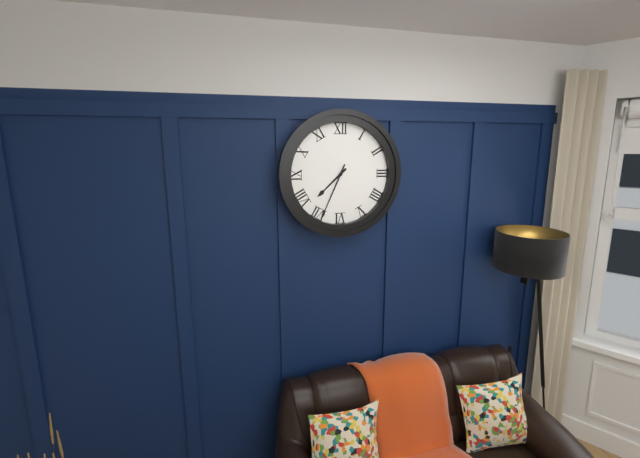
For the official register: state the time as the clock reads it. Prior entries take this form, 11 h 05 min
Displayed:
7 h 34 min
